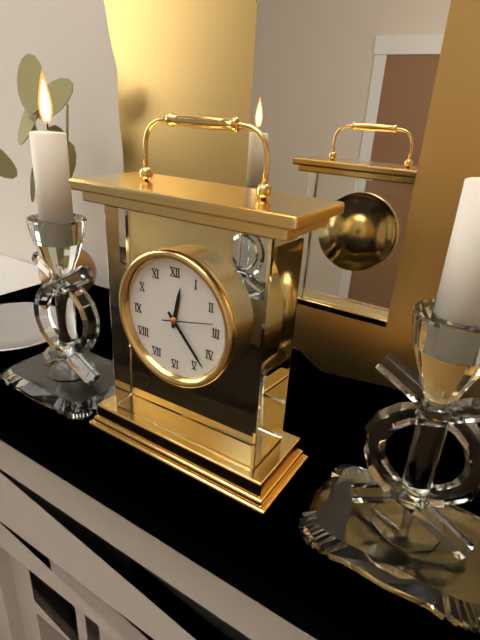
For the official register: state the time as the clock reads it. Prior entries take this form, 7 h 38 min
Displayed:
12 h 23 min
